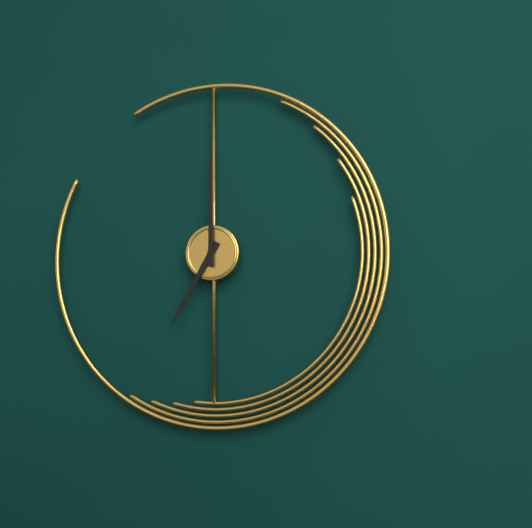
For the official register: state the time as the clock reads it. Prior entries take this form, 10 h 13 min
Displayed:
7 h 00 min
